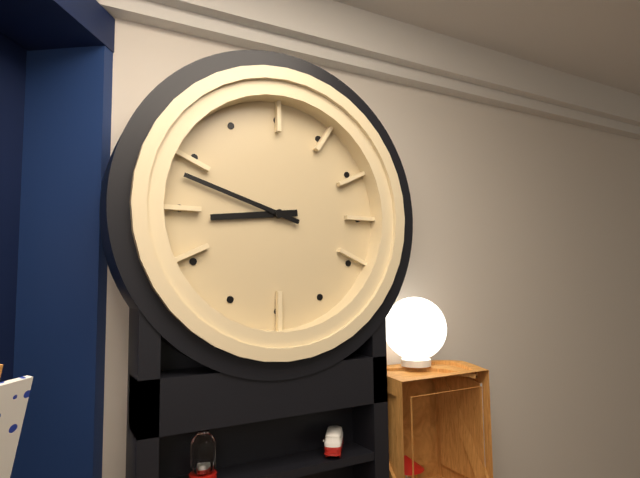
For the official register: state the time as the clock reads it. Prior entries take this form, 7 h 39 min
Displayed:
8 h 48 min
